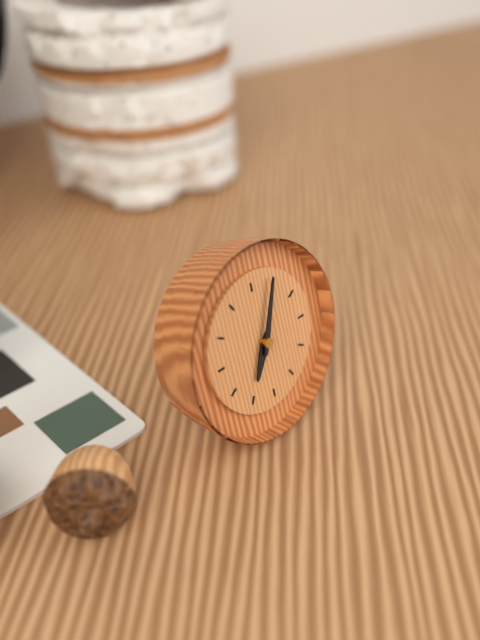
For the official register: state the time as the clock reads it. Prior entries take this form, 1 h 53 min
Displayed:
7 h 04 min
